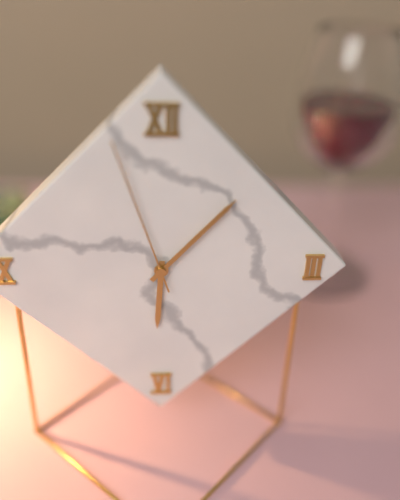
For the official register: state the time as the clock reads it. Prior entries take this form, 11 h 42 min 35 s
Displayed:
6 h 07 min 57 s
